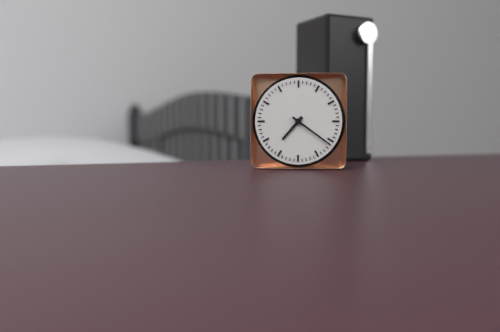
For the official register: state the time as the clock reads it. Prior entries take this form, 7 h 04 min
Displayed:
7 h 21 min
